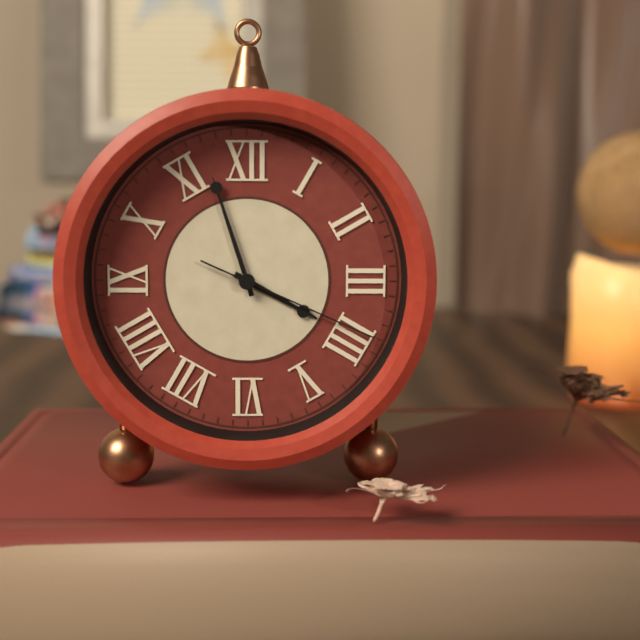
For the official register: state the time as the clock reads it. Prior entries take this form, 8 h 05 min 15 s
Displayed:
3 h 57 min 19 s
